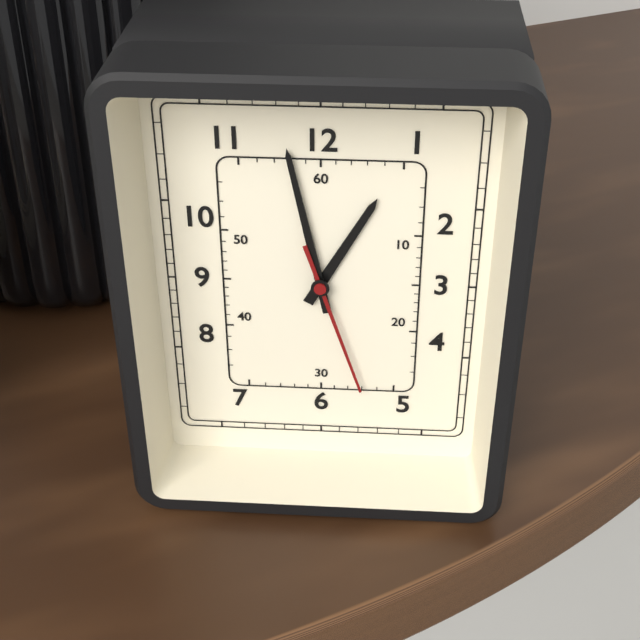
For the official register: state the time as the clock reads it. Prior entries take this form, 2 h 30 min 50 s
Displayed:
12 h 58 min 27 s
